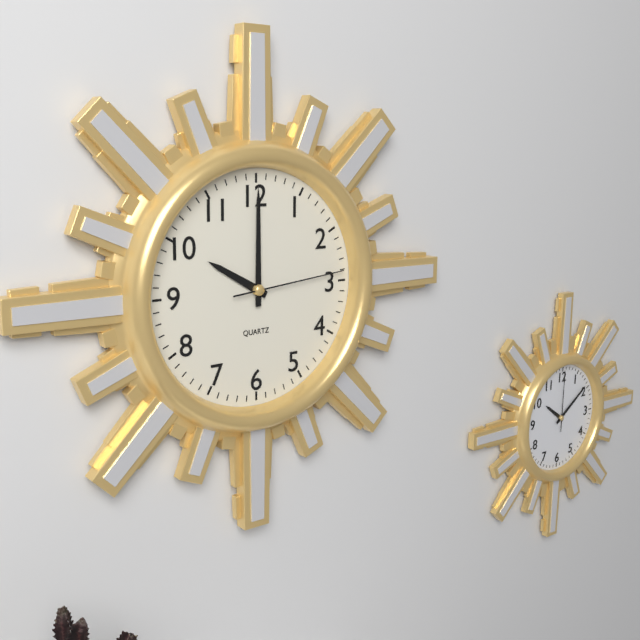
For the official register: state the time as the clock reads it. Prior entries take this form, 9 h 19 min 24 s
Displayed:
10 h 00 min 14 s
